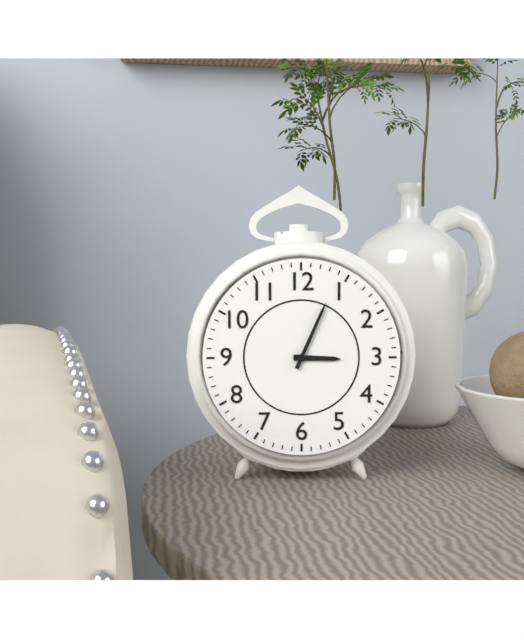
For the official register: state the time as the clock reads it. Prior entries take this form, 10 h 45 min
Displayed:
3 h 04 min
